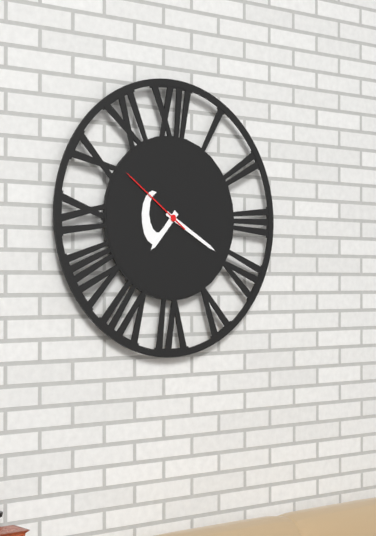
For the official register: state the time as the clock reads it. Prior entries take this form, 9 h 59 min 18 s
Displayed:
7 h 20 min 51 s
